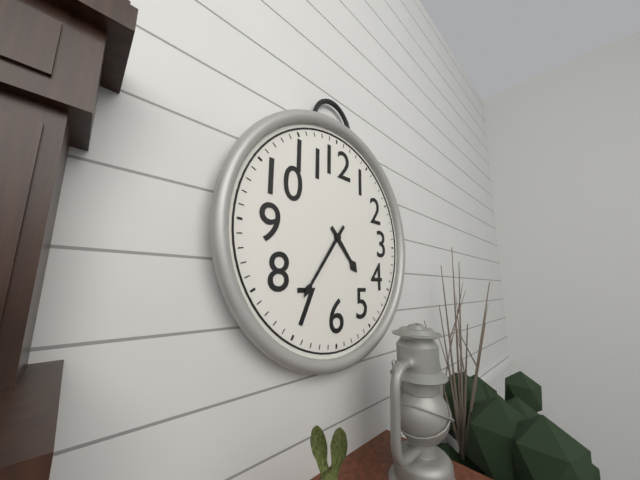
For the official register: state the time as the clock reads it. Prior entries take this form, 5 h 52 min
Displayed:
4 h 36 min
